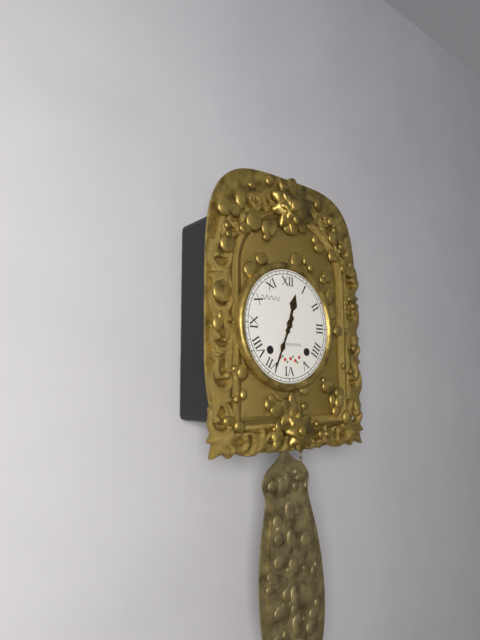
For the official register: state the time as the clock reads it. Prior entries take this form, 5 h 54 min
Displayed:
12 h 34 min
